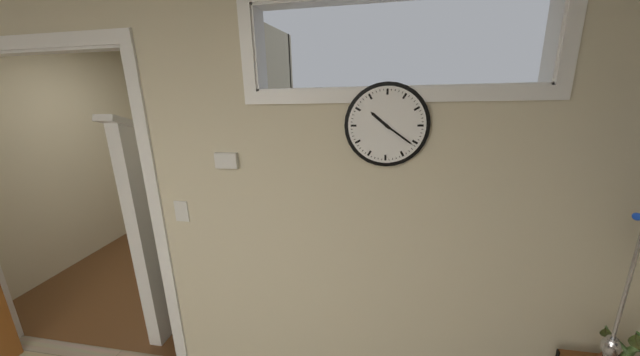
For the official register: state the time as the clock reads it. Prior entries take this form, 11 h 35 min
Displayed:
10 h 21 min
